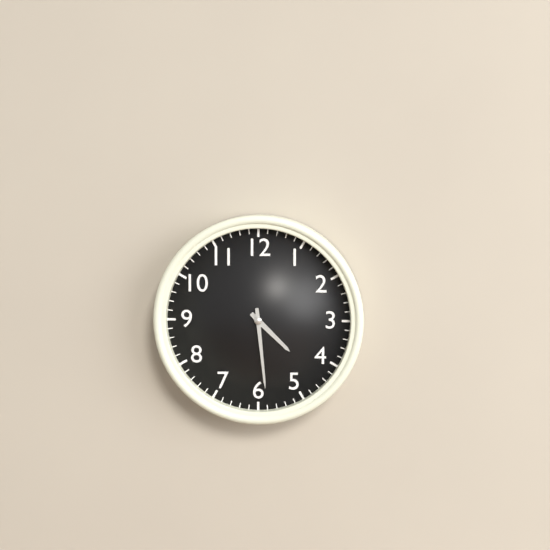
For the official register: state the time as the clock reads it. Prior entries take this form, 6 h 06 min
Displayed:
4 h 29 min
